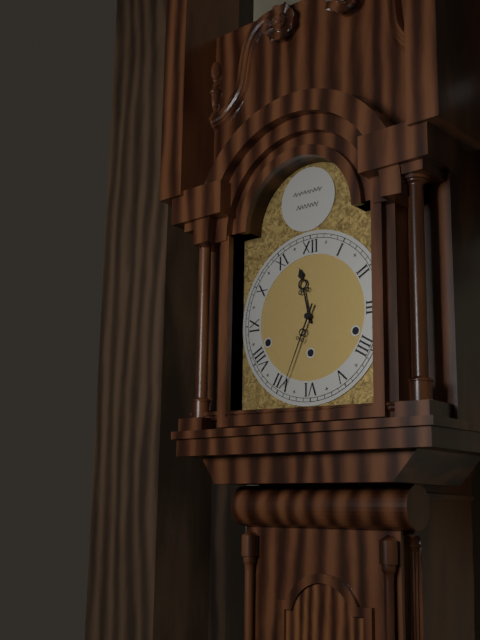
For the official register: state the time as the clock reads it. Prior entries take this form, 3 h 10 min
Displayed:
11 h 34 min
